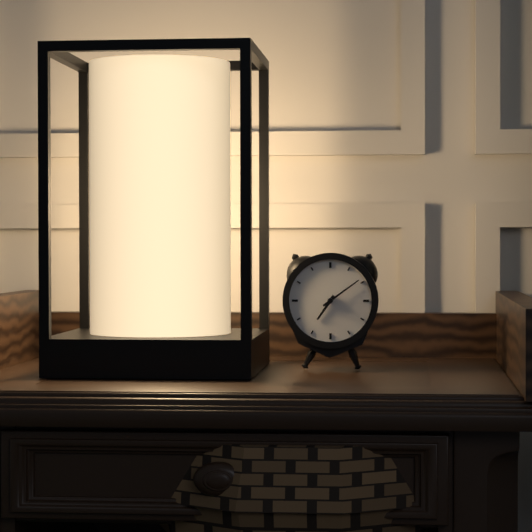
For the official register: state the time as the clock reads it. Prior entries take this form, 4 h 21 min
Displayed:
7 h 09 min
